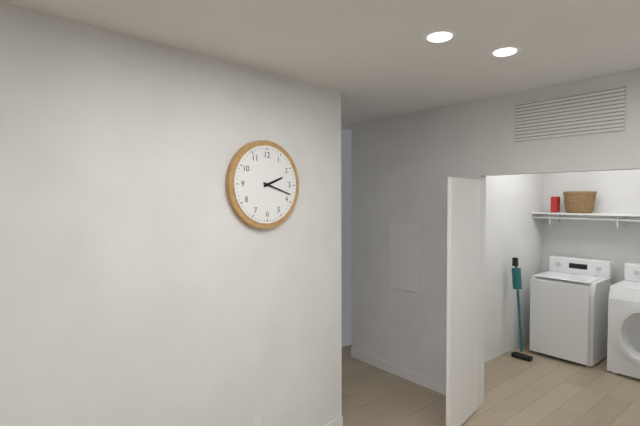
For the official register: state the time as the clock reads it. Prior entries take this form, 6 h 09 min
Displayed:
2 h 18 min
